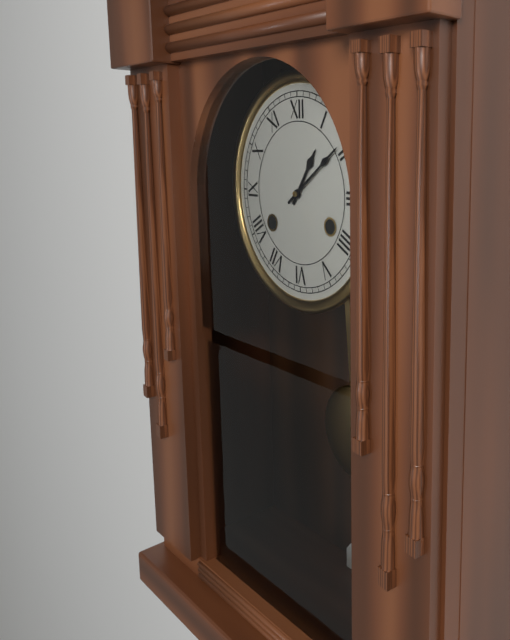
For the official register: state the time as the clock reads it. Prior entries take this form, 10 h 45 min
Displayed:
1 h 09 min
